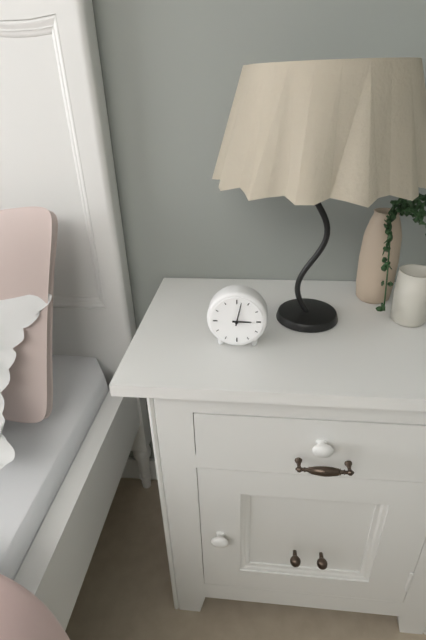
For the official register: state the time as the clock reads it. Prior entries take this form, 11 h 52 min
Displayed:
3 h 02 min
